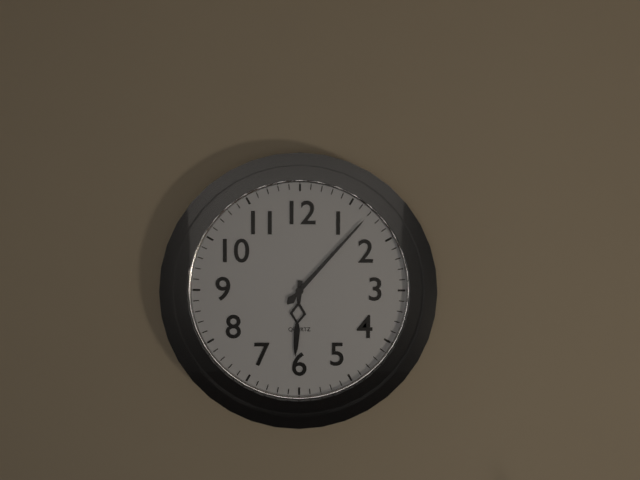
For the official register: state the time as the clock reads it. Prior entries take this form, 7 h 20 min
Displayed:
6 h 07 min
